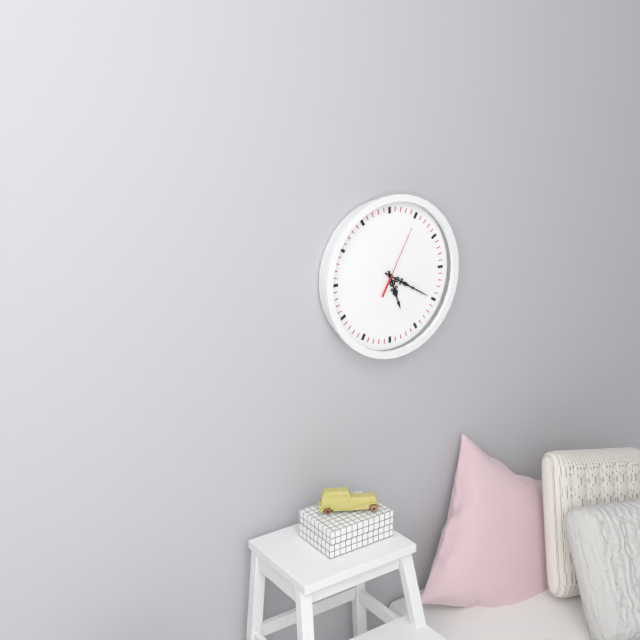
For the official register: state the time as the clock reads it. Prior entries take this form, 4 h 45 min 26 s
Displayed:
5 h 20 min 05 s
